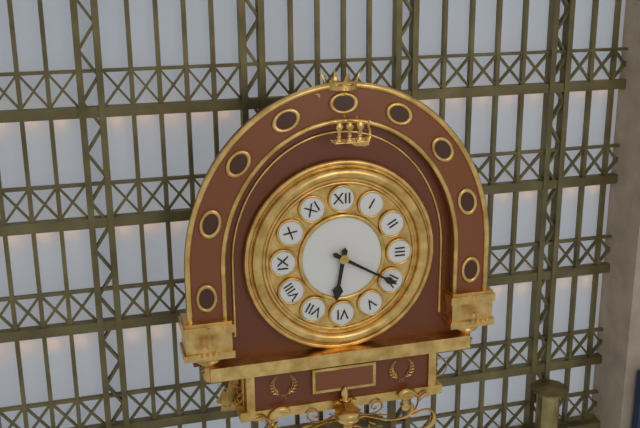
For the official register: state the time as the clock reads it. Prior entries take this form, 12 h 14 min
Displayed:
6 h 20 min
